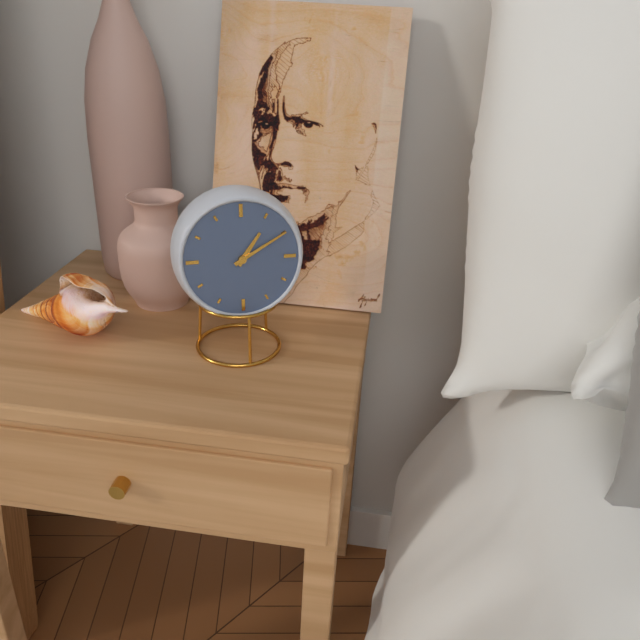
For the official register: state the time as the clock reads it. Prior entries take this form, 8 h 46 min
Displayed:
1 h 10 min
